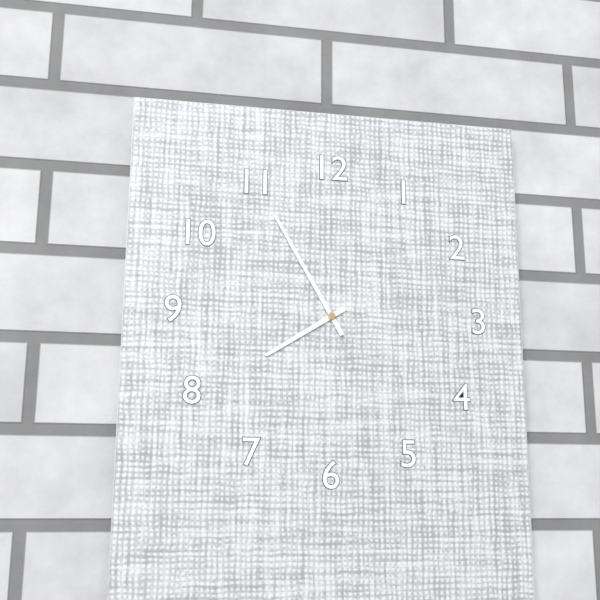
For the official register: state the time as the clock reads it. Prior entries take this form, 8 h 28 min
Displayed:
7 h 55 min
